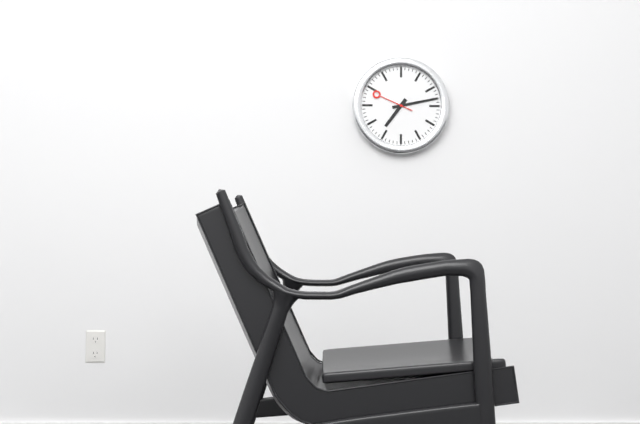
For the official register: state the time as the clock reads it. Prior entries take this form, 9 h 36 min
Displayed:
7 h 13 min
